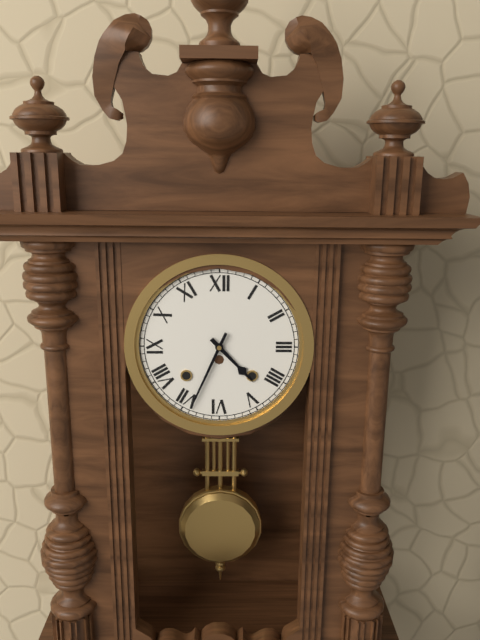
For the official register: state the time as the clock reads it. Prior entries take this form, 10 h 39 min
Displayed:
4 h 34 min
